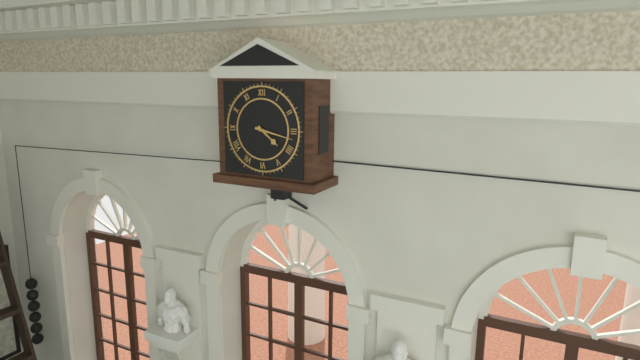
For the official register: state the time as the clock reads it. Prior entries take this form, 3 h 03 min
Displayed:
4 h 17 min
